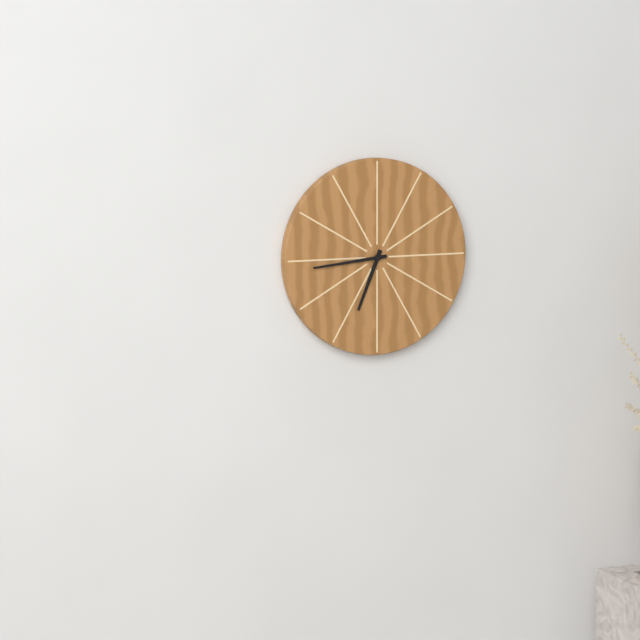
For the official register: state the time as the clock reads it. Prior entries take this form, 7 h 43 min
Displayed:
6 h 44 min
